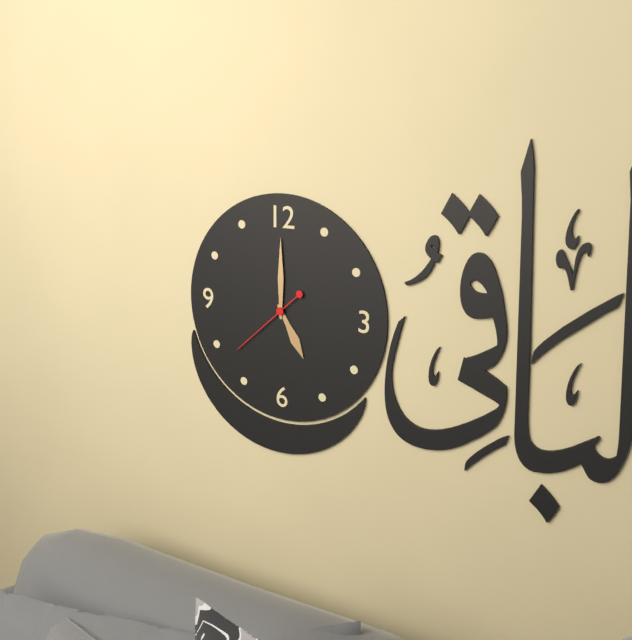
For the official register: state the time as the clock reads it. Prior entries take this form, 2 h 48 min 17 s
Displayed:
5 h 00 min 38 s
